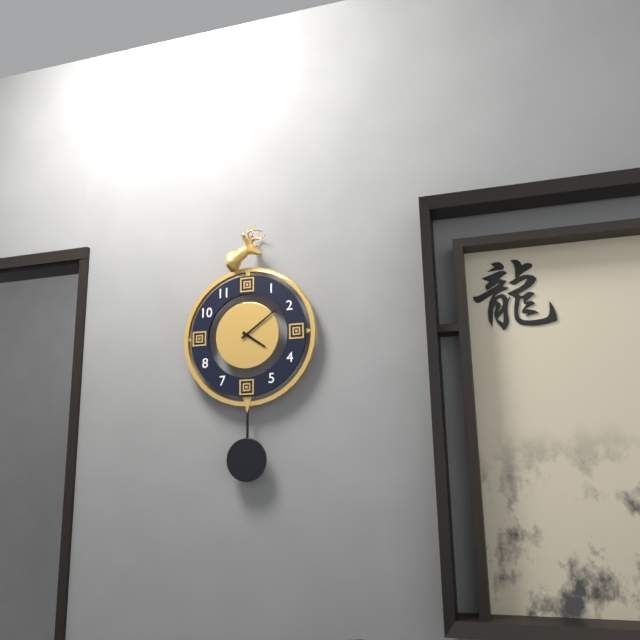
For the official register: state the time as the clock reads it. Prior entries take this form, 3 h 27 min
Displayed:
4 h 09 min
